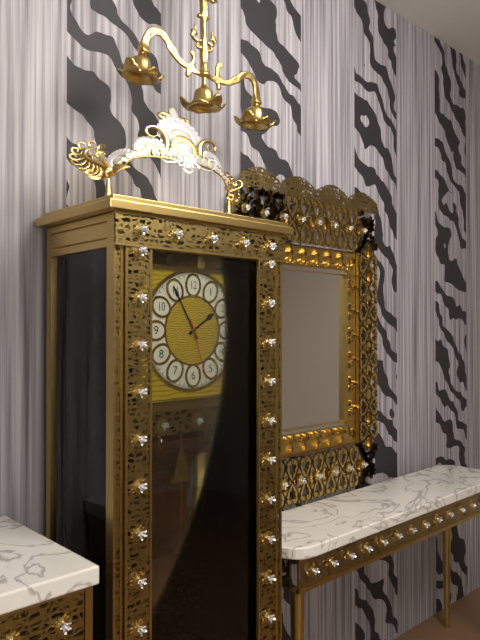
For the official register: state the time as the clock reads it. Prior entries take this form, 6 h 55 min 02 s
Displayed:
1 h 55 min 27 s
